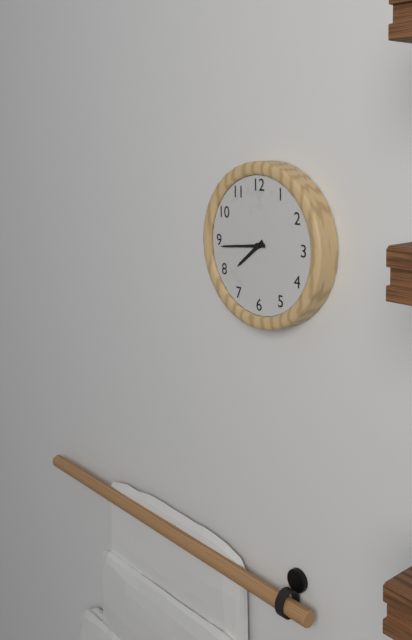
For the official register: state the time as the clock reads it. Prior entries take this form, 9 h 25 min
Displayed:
7 h 44 min
